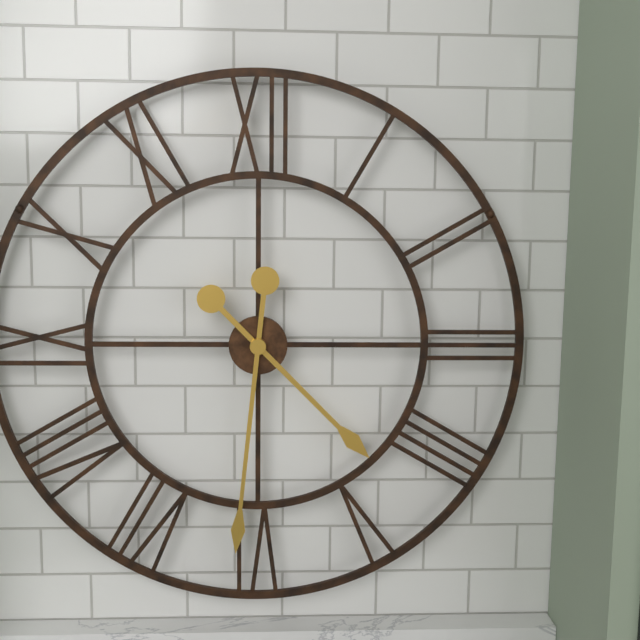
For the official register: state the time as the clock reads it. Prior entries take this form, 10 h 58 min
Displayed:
4 h 31 min
